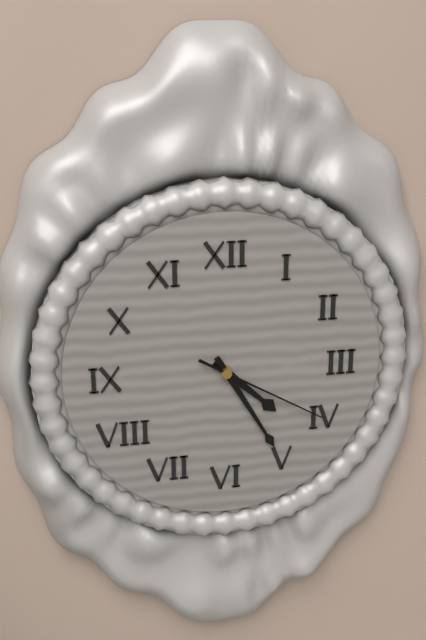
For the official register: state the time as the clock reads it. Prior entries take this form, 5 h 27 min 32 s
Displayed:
4 h 25 min 20 s
